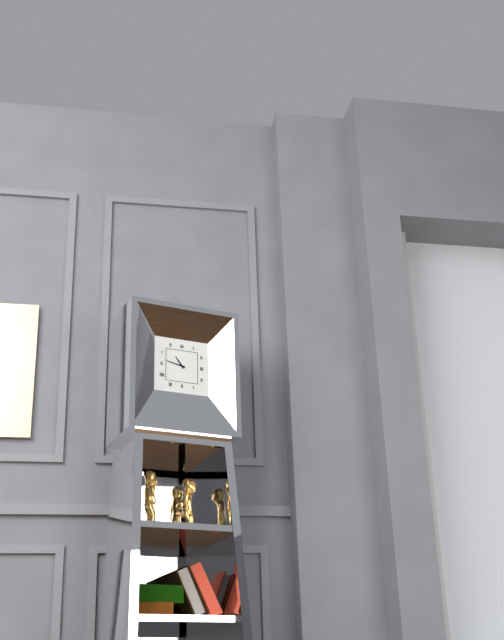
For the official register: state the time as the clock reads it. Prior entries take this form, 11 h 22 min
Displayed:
10 h 47 min
